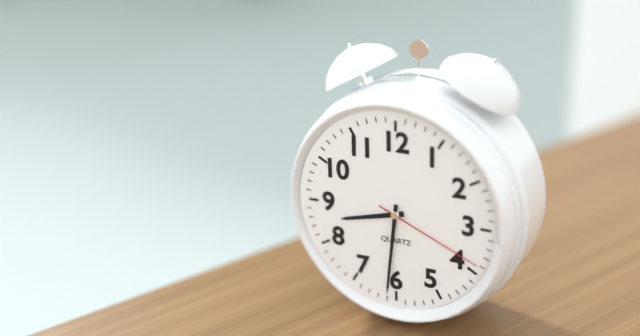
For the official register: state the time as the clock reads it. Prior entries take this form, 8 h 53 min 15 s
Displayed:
8 h 31 min 19 s
